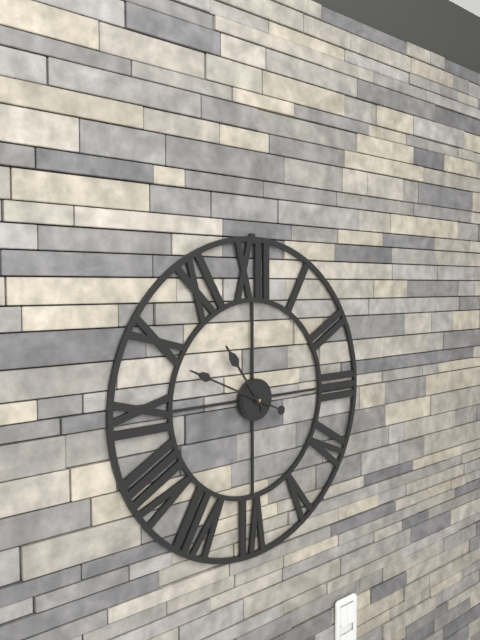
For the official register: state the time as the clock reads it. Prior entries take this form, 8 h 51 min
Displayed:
10 h 49 min
